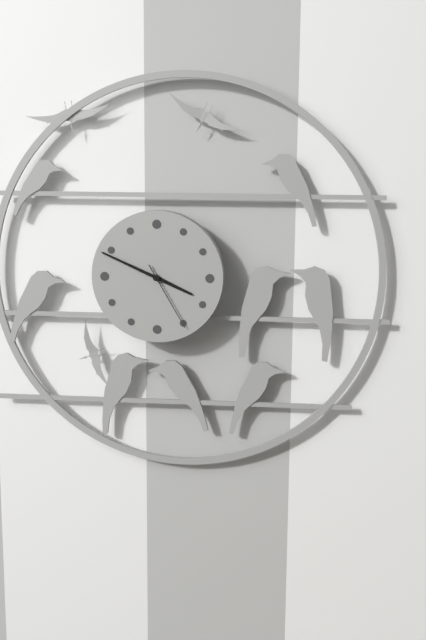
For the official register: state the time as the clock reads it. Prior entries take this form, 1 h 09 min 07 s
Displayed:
3 h 49 min 25 s
